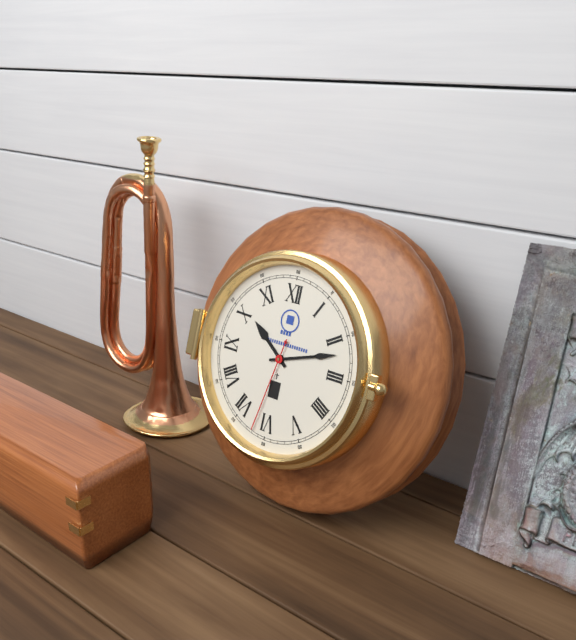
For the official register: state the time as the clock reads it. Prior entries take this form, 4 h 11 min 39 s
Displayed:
10 h 12 min 32 s
